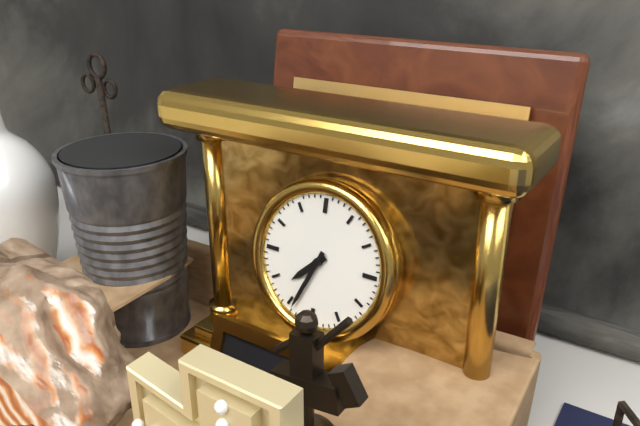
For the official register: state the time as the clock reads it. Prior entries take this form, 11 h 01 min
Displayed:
7 h 34 min
